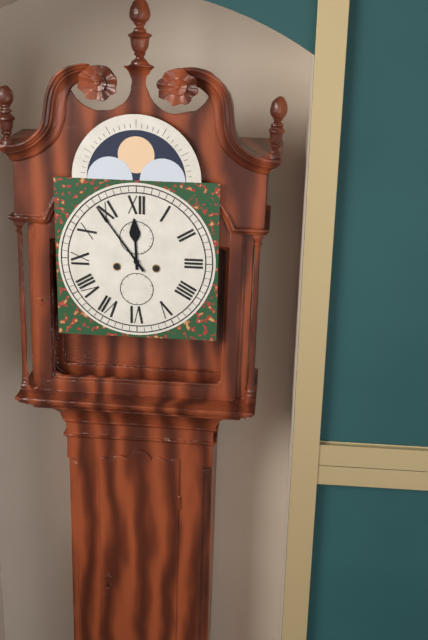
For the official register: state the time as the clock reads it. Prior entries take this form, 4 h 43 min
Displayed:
11 h 54 min
